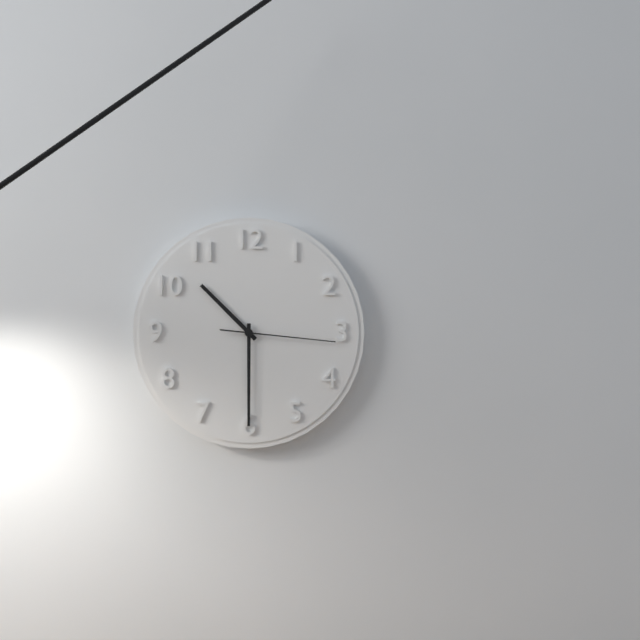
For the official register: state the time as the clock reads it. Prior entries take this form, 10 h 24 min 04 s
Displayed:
10 h 30 min 16 s
